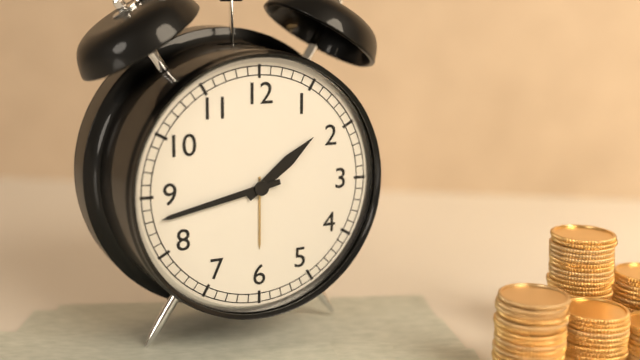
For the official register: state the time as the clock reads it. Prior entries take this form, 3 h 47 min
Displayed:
1 h 43 min
